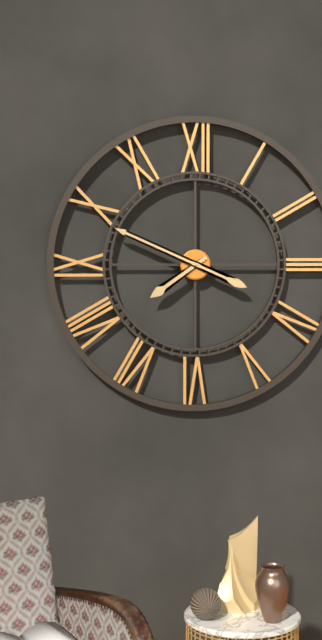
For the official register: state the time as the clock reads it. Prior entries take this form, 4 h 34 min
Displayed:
7 h 49 min
